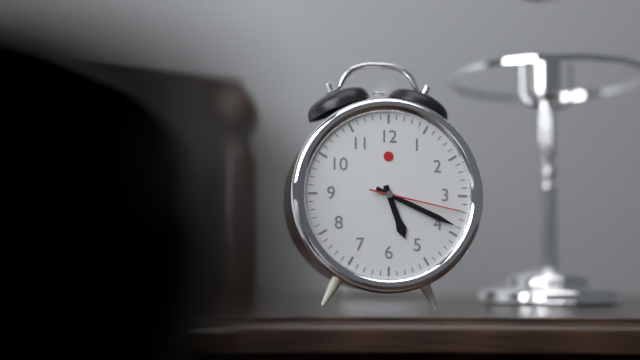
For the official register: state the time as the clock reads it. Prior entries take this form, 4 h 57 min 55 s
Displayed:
5 h 19 min 17 s
